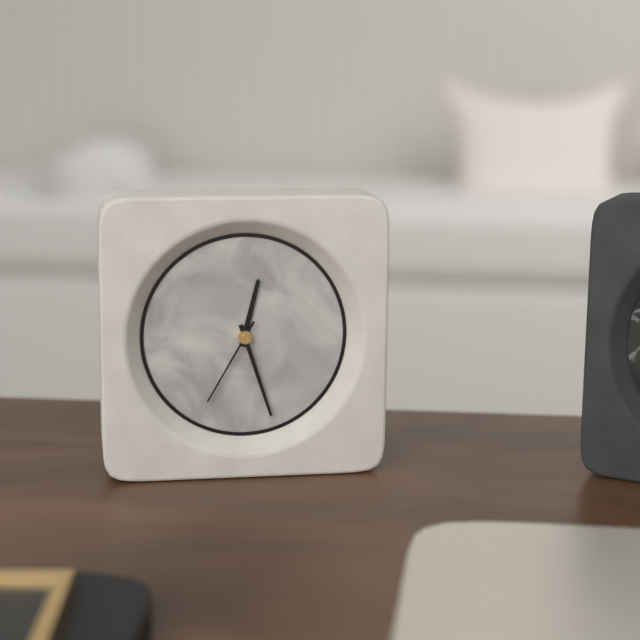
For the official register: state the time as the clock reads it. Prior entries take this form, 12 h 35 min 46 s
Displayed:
12 h 27 min 35 s
